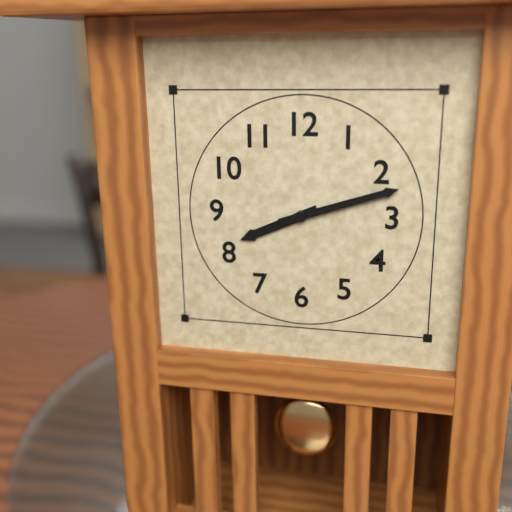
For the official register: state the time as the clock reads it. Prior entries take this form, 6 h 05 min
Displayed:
8 h 12 min
